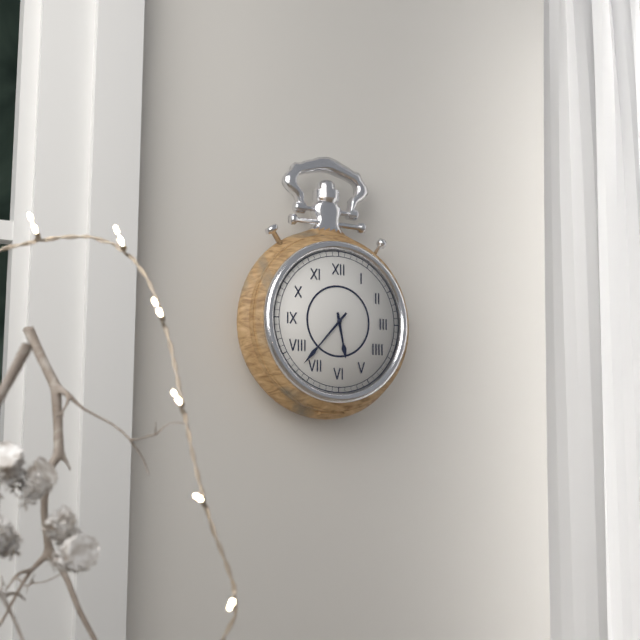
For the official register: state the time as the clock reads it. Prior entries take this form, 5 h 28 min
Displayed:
5 h 37 min
